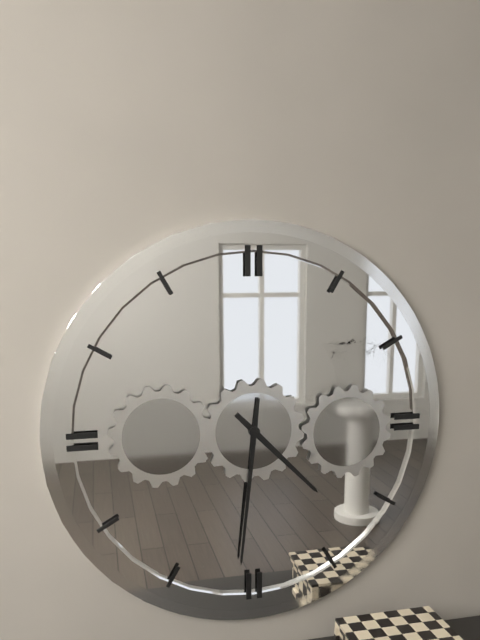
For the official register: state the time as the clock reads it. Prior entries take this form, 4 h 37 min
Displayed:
4 h 31 min
